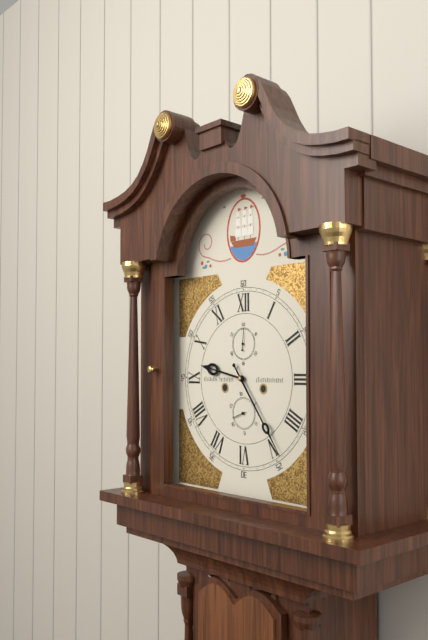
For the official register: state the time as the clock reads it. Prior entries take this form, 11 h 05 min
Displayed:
9 h 24 min
